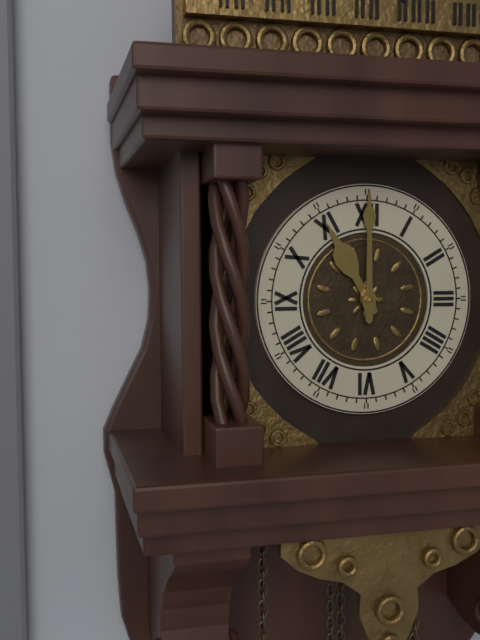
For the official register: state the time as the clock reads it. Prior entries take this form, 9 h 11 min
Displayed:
11 h 00 min
